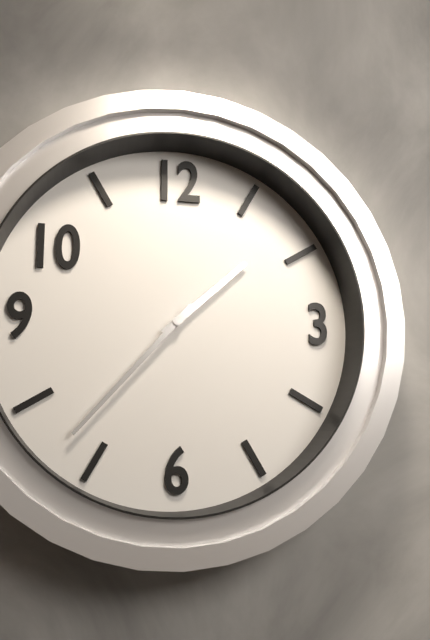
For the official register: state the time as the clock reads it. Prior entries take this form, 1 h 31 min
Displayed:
1 h 37 min
